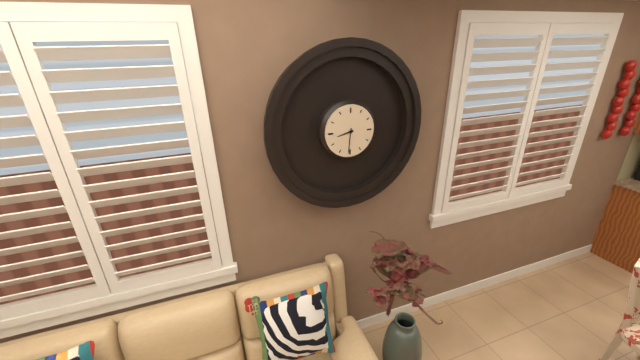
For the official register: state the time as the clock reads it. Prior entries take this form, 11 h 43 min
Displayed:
8 h 31 min
